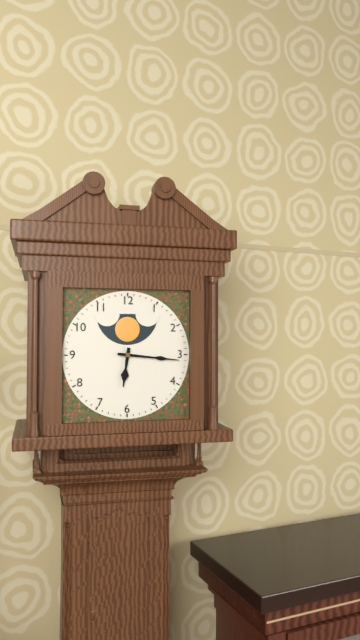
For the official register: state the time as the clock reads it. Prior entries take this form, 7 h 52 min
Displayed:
6 h 16 min
